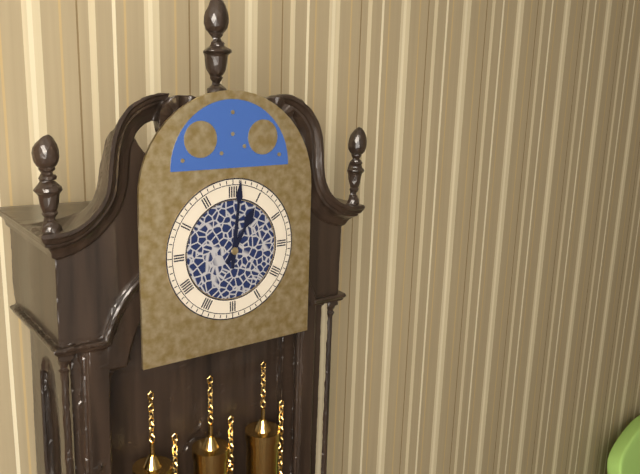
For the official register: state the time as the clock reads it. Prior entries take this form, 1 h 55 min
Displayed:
1 h 01 min
